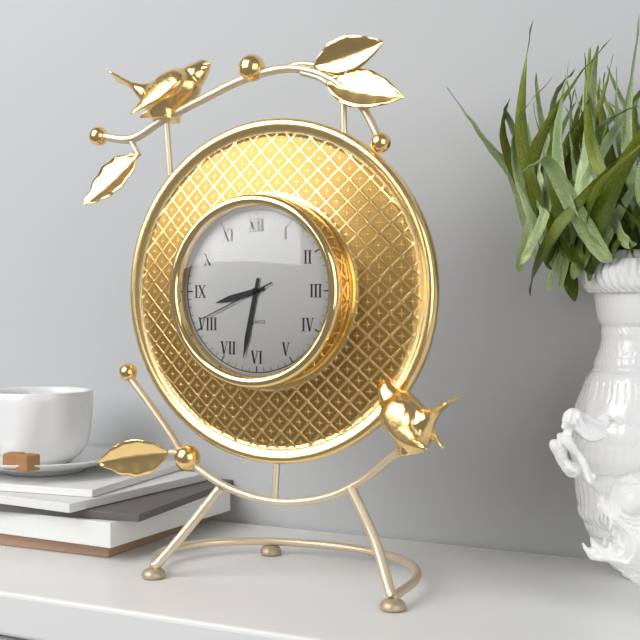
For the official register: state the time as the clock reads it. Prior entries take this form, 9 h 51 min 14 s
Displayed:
8 h 32 min 41 s
